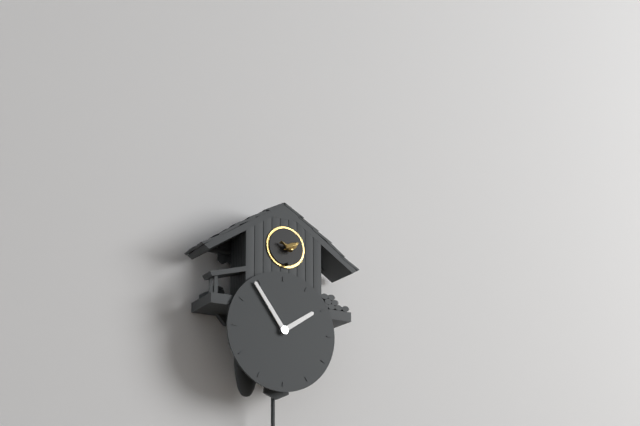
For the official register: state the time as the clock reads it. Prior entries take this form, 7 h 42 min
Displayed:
1 h 54 min
